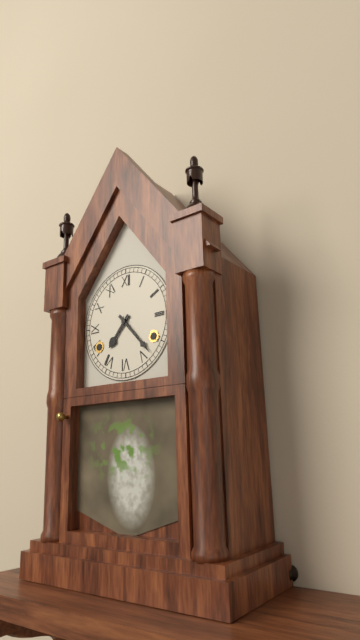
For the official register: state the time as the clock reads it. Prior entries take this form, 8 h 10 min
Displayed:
7 h 23 min
